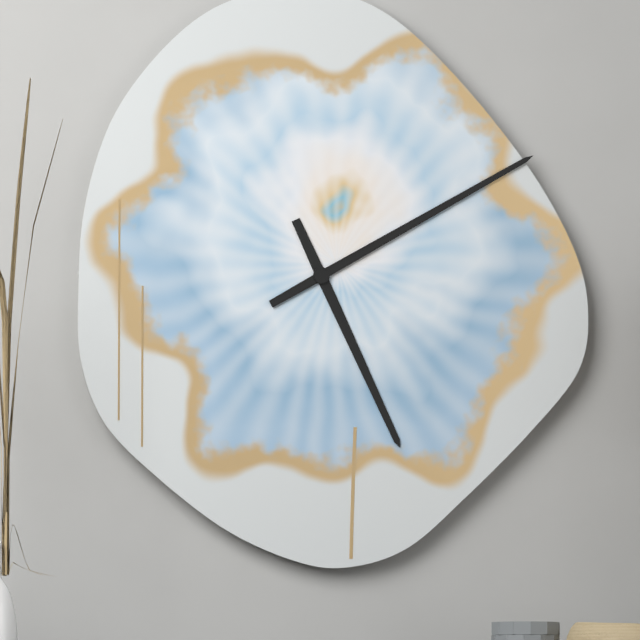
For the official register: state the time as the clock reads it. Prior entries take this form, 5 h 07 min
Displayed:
5 h 10 min
